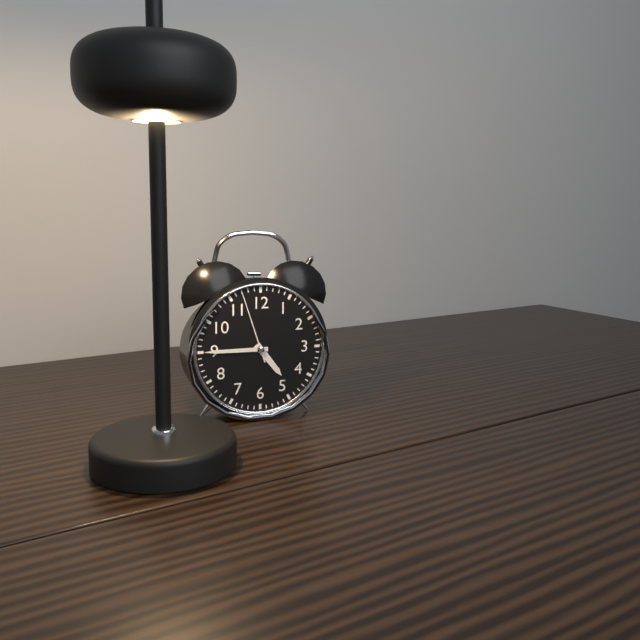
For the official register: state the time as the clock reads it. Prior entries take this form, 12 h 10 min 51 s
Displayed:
4 h 45 min 57 s
